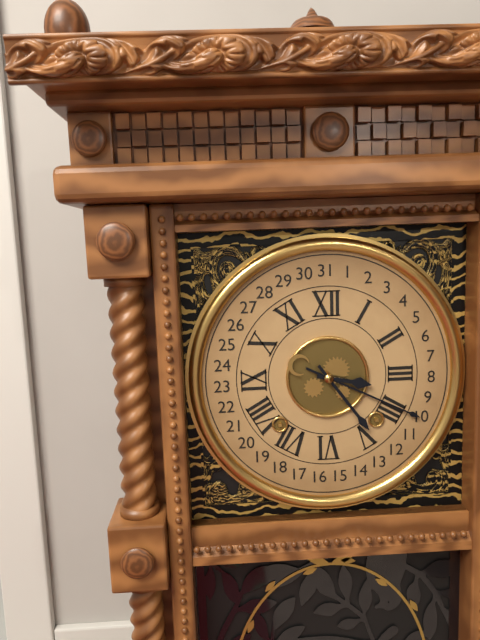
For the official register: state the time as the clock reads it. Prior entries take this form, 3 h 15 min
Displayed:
3 h 24 min
